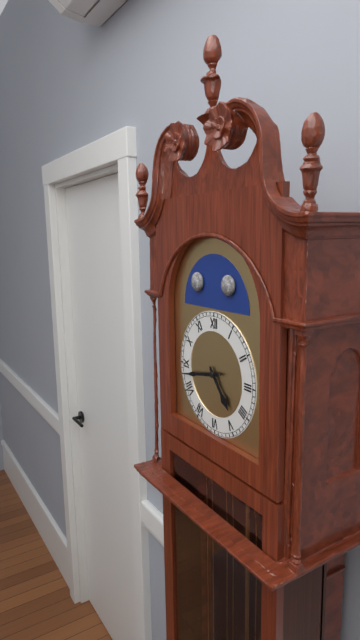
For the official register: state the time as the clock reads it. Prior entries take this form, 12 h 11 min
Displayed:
4 h 43 min
